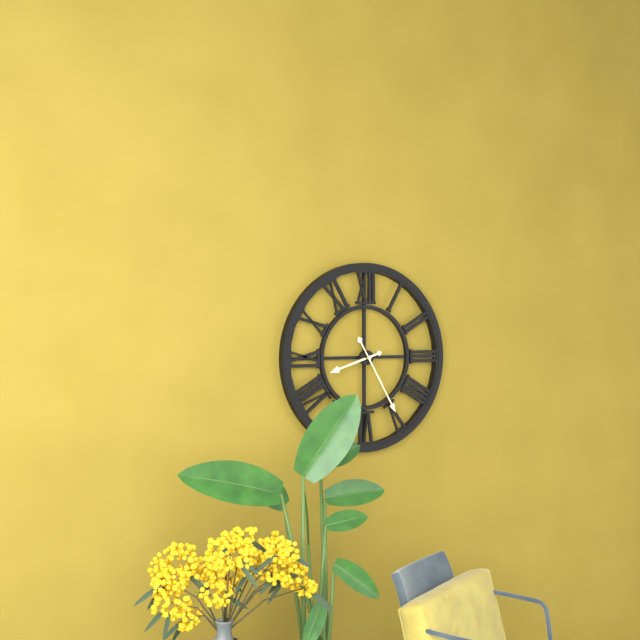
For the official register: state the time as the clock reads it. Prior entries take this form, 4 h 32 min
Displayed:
8 h 25 min
